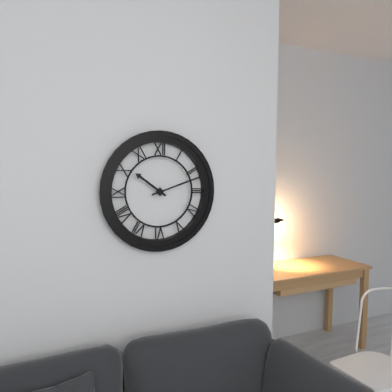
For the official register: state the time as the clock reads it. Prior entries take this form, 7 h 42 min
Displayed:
10 h 12 min
